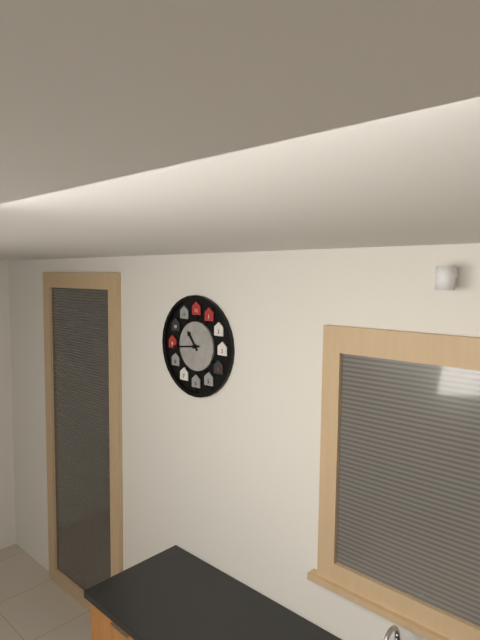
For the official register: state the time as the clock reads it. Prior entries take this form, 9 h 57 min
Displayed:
10 h 44 min
